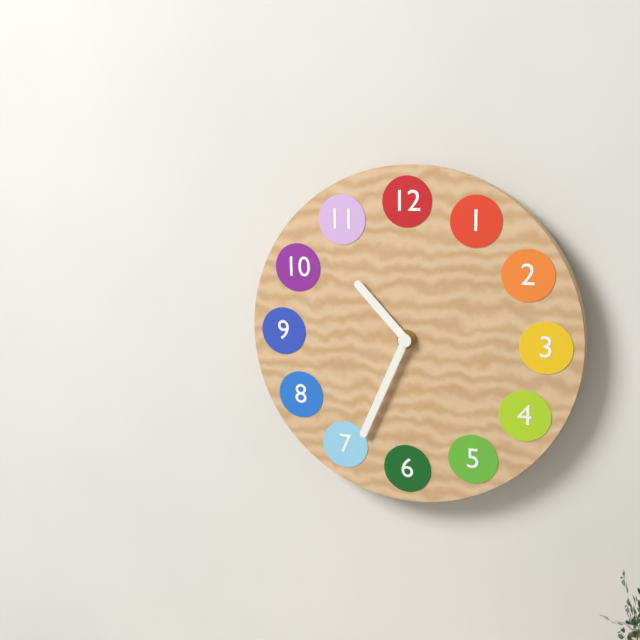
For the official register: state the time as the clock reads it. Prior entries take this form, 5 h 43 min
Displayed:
10 h 34 min
